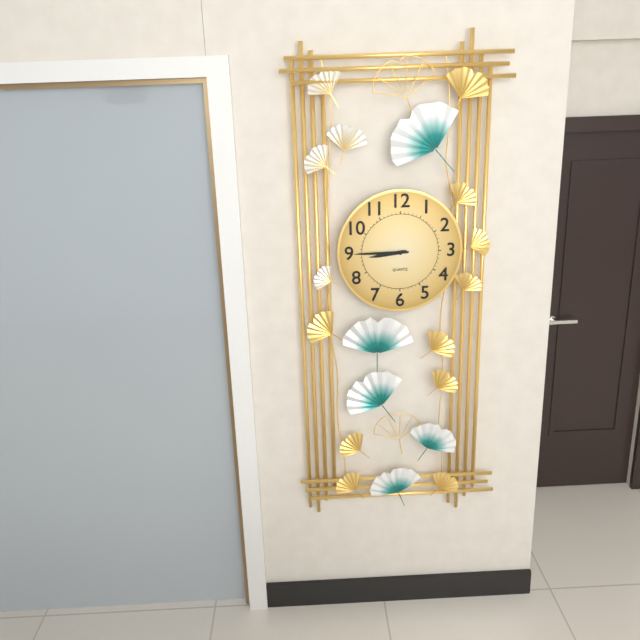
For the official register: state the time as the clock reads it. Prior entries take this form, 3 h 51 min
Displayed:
8 h 45 min
